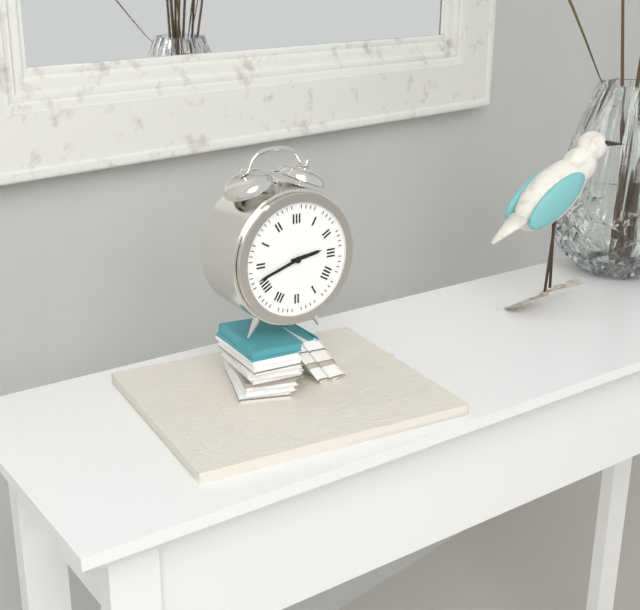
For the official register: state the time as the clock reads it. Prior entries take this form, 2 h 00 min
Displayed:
2 h 42 min
